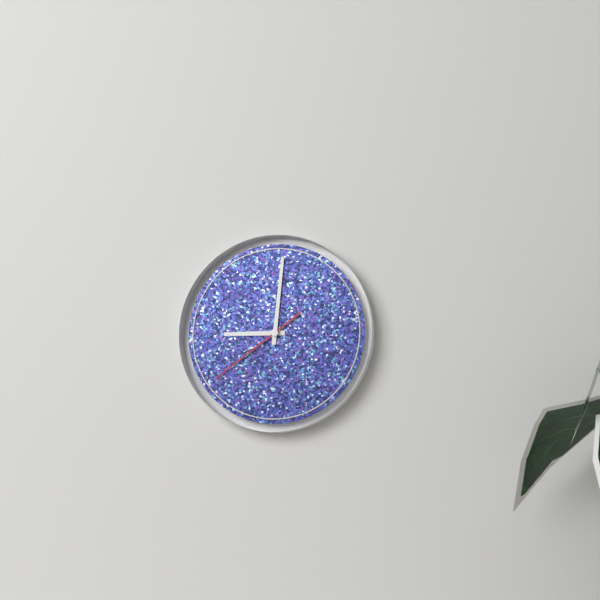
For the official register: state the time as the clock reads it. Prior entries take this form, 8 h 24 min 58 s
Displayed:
9 h 01 min 39 s
